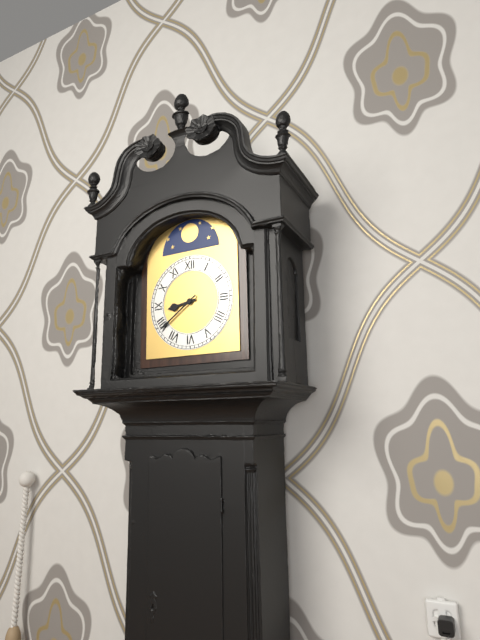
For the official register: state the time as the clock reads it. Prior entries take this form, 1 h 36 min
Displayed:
8 h 39 min
